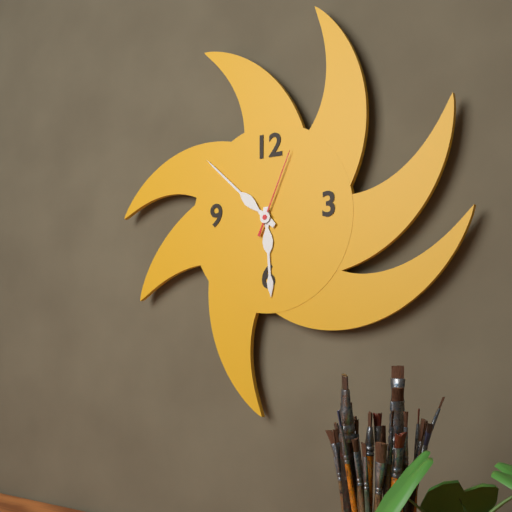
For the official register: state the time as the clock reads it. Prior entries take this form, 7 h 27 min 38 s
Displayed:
5 h 52 min 04 s
